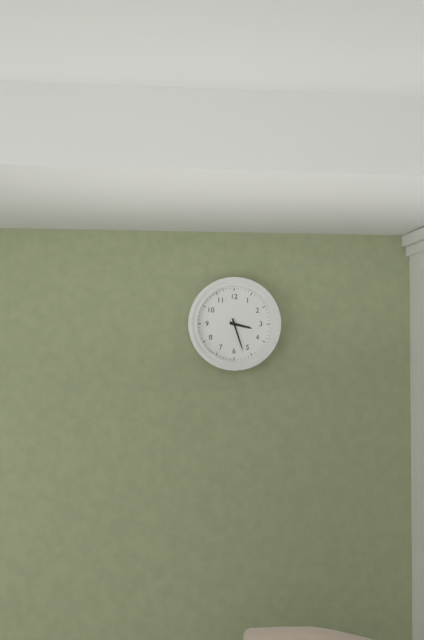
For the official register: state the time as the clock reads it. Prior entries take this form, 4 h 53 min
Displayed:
3 h 27 min
